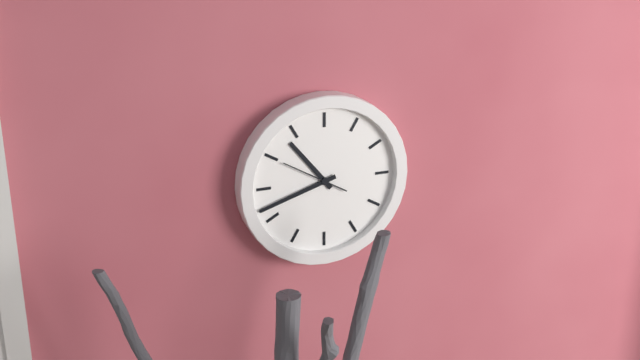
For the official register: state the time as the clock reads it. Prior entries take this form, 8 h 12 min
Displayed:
10 h 42 min
